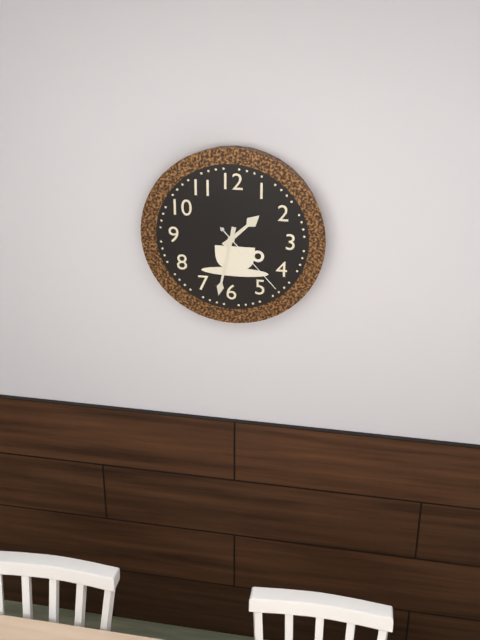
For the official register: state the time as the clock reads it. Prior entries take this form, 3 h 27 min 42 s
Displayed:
1 h 32 min 23 s
